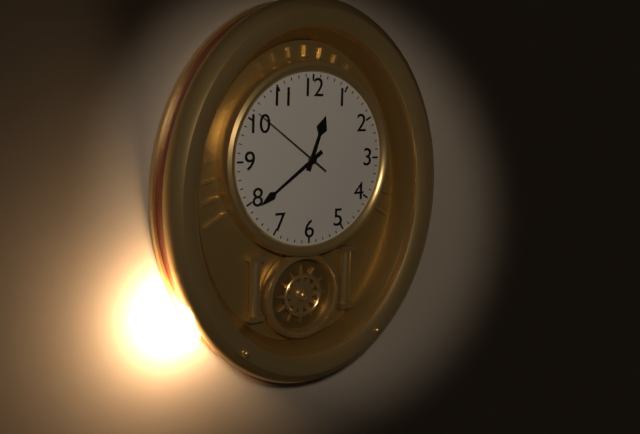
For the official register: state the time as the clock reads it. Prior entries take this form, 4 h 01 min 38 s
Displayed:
12 h 39 min 51 s
